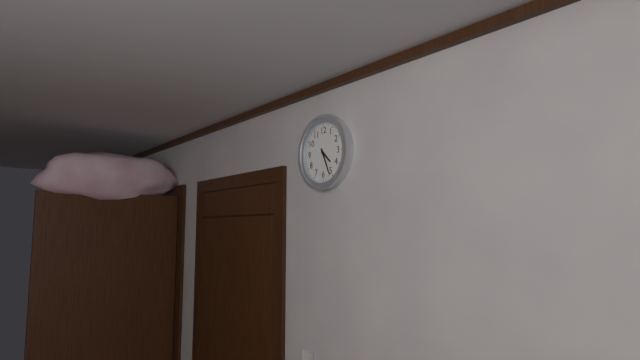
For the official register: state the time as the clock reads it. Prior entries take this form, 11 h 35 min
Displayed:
4 h 26 min
